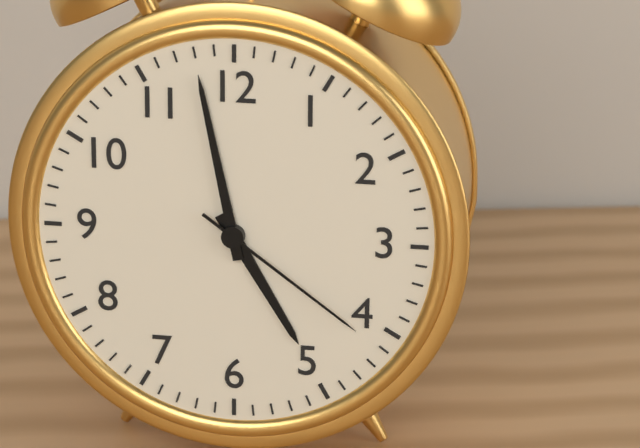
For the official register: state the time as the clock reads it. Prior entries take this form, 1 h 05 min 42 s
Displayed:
4 h 58 min 21 s
